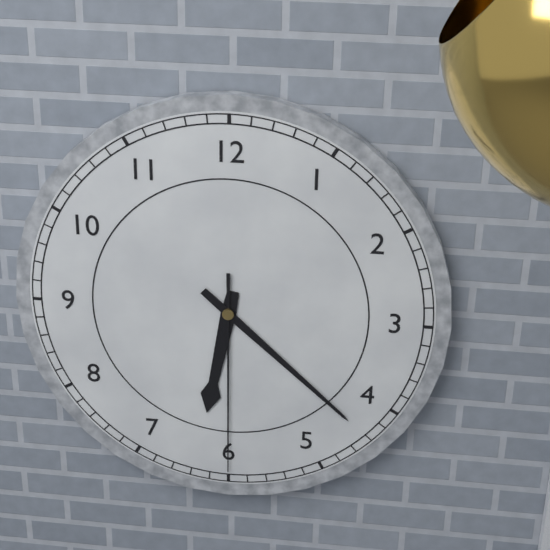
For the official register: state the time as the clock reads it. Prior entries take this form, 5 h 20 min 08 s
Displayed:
6 h 22 min 30 s
